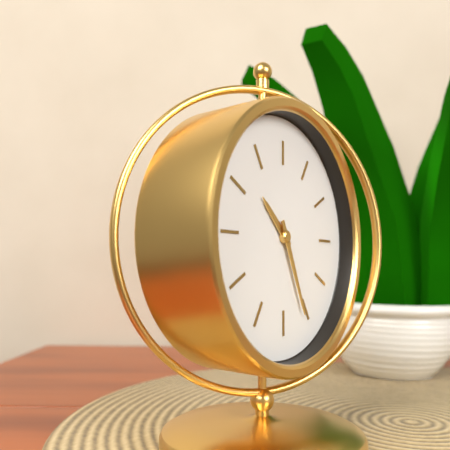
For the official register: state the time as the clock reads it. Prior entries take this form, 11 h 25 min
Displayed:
10 h 26 min
